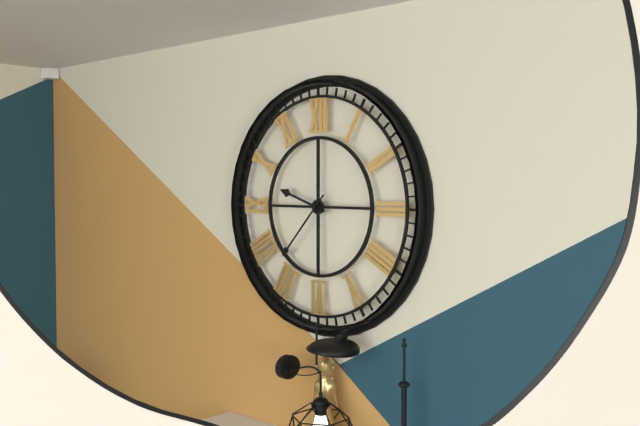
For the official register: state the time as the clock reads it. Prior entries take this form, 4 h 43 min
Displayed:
9 h 37 min
